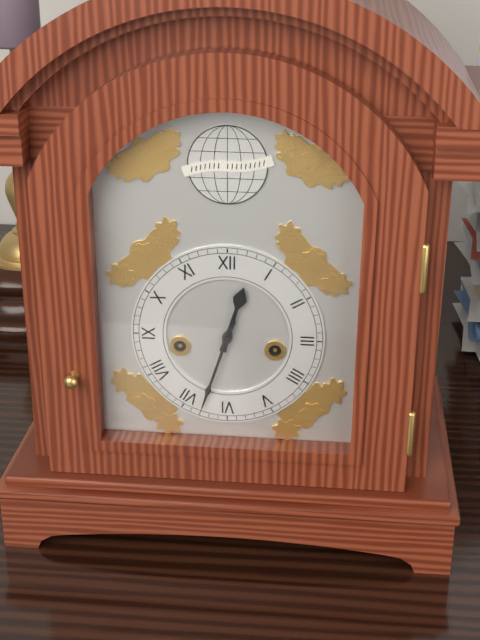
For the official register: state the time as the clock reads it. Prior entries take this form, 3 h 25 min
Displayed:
12 h 33 min
